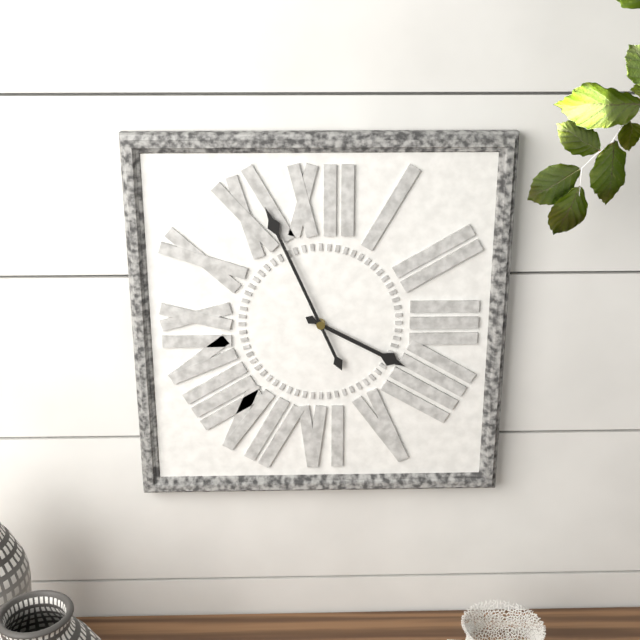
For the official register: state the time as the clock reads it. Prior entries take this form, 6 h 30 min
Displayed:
3 h 56 min
